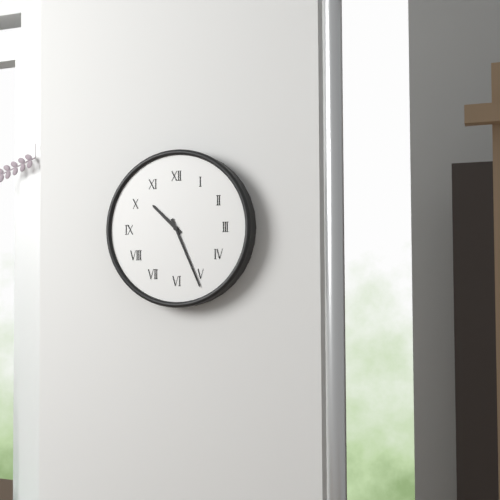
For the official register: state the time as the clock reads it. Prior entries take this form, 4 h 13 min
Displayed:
10 h 26 min
